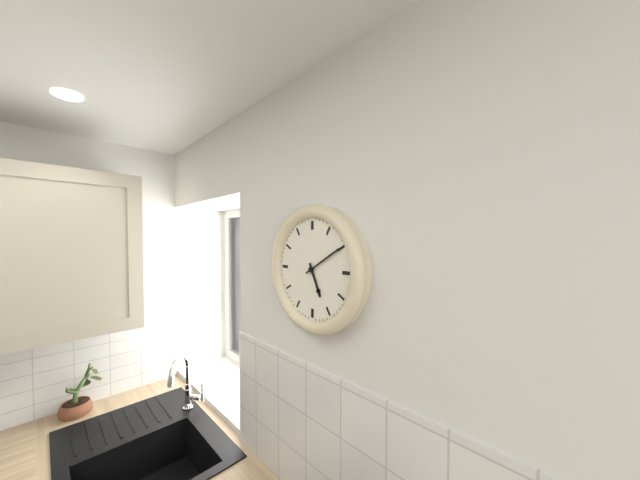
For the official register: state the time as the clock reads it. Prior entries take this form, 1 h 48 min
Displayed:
5 h 10 min
